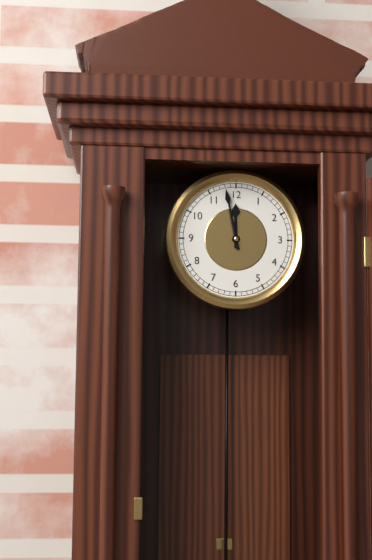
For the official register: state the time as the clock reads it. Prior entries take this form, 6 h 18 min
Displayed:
11 h 58 min
